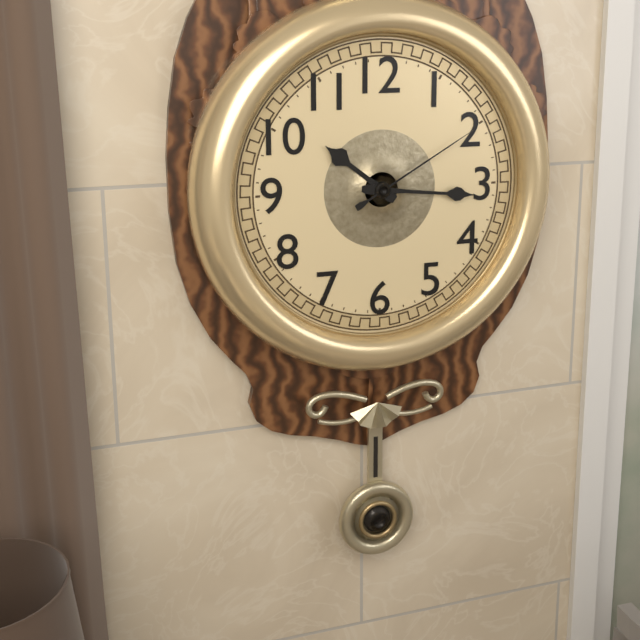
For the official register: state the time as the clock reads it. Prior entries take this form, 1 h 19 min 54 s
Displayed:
10 h 16 min 10 s
